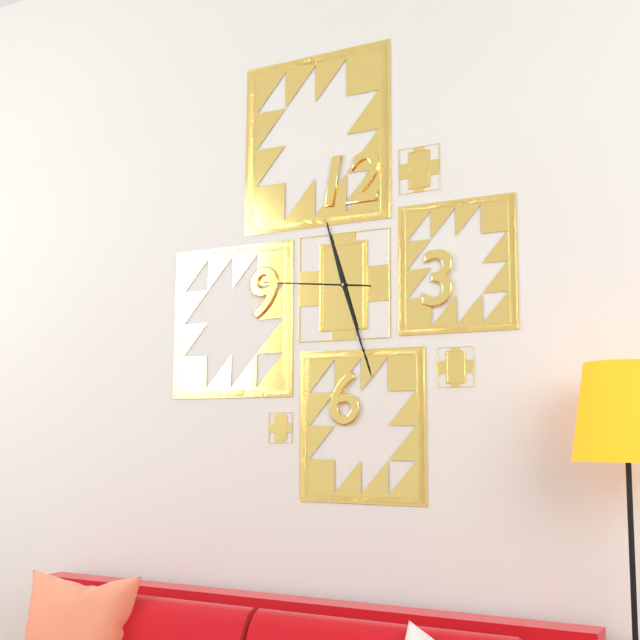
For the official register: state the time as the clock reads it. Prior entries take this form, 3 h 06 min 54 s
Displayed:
11 h 27 min 46 s
